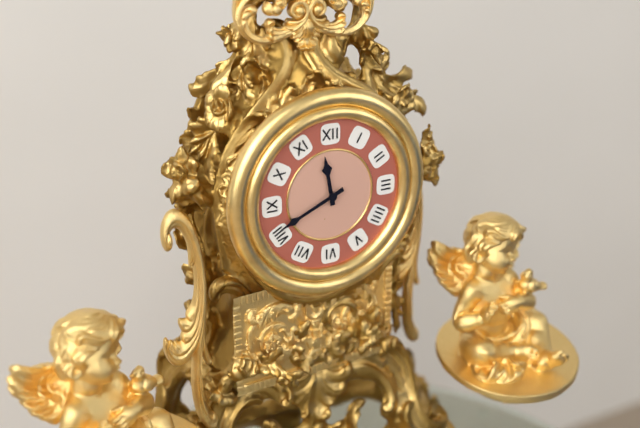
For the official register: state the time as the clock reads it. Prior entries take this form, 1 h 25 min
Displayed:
11 h 41 min
